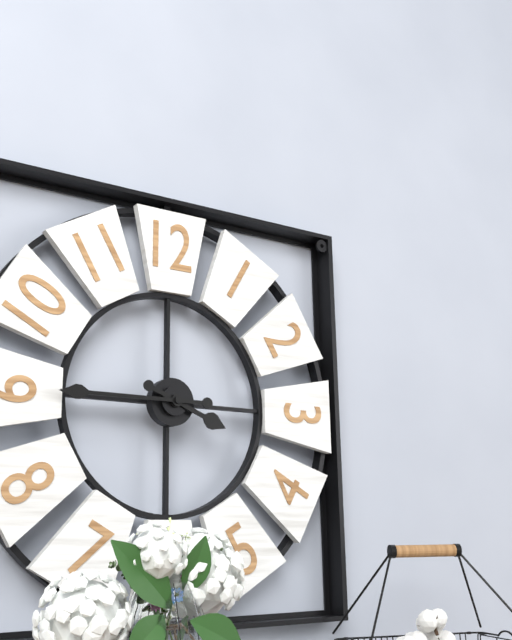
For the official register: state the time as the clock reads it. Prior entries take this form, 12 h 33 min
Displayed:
3 h 45 min
